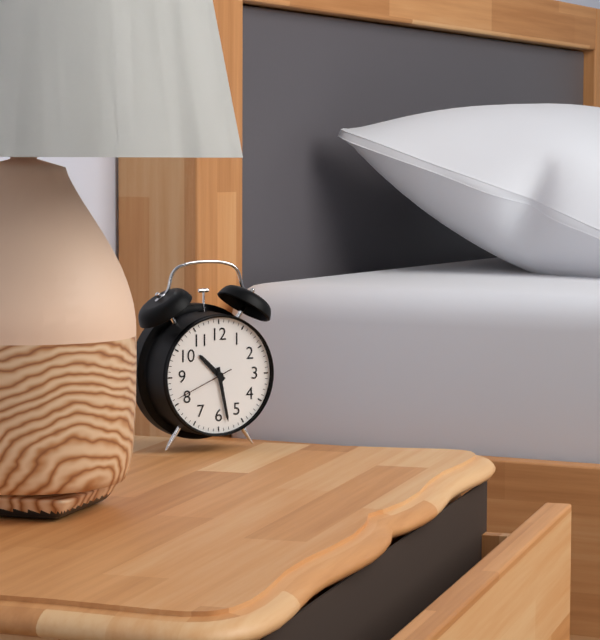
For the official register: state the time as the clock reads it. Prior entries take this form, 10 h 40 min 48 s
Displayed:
10 h 28 min 41 s
